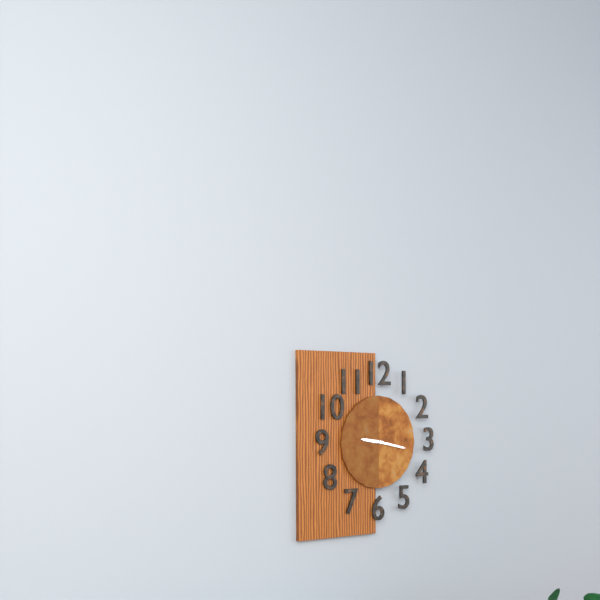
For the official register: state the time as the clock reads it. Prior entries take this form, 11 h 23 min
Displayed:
9 h 17 min
